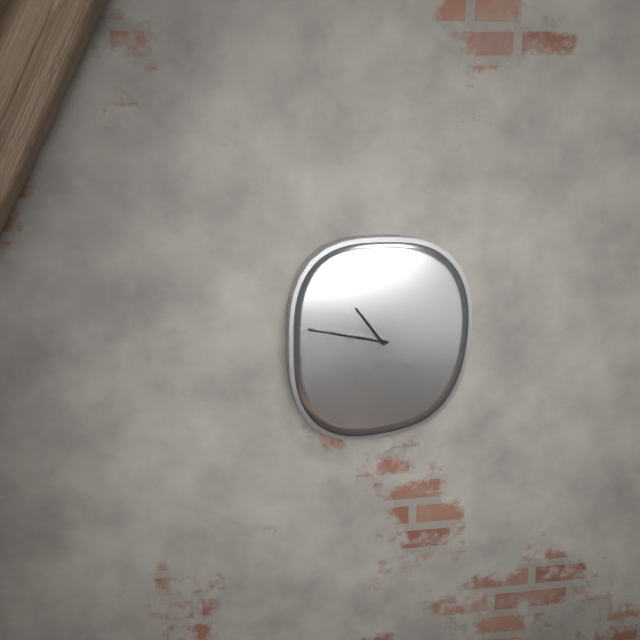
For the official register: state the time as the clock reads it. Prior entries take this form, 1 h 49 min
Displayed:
10 h 47 min
